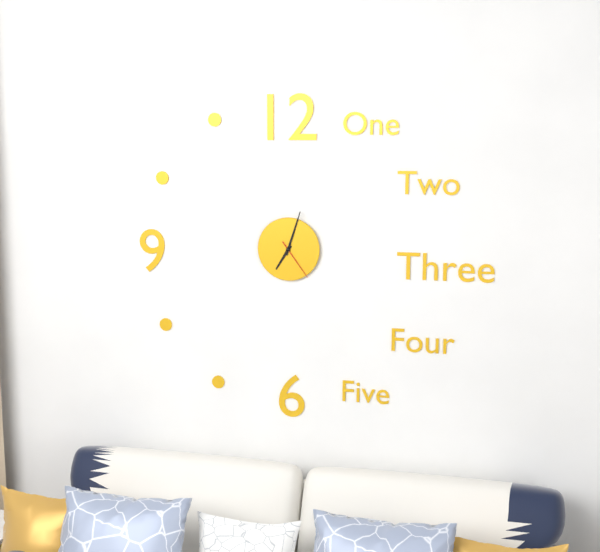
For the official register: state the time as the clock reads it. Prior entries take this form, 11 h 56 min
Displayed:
7 h 03 min
